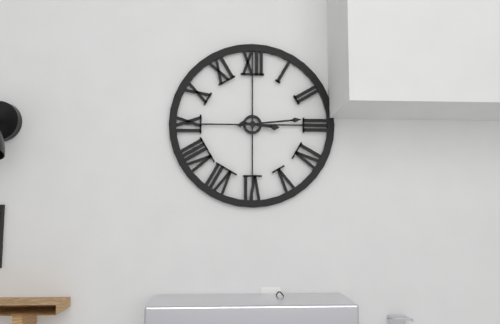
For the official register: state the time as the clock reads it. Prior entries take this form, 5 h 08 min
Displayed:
3 h 14 min
